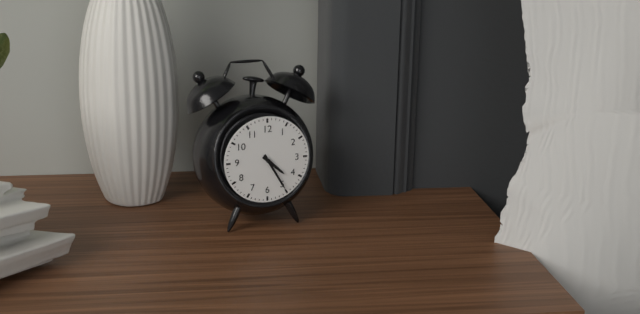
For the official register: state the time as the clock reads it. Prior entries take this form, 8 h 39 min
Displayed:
4 h 25 min
